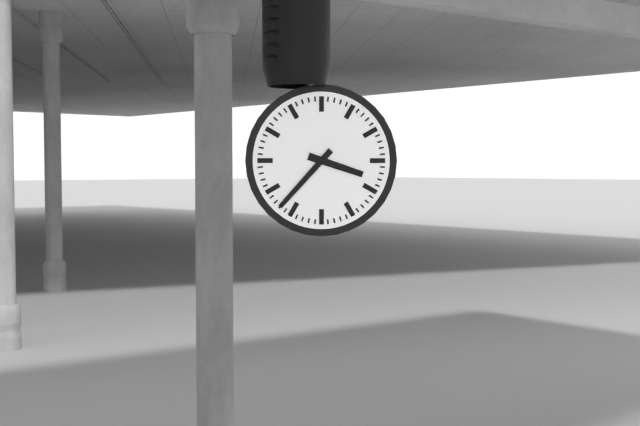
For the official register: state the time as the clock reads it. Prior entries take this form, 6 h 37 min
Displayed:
3 h 37 min
